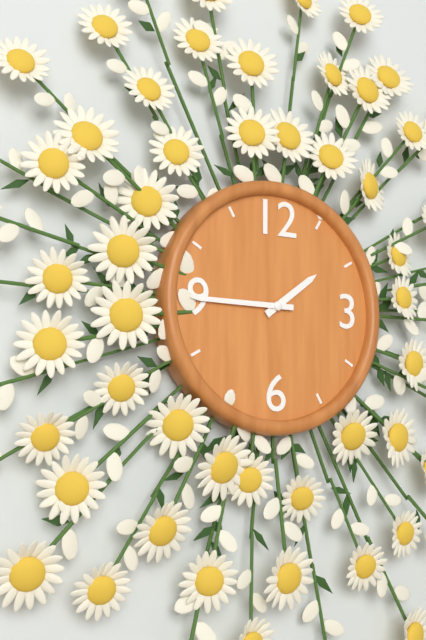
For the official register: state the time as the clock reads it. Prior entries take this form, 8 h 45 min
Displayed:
1 h 45 min
